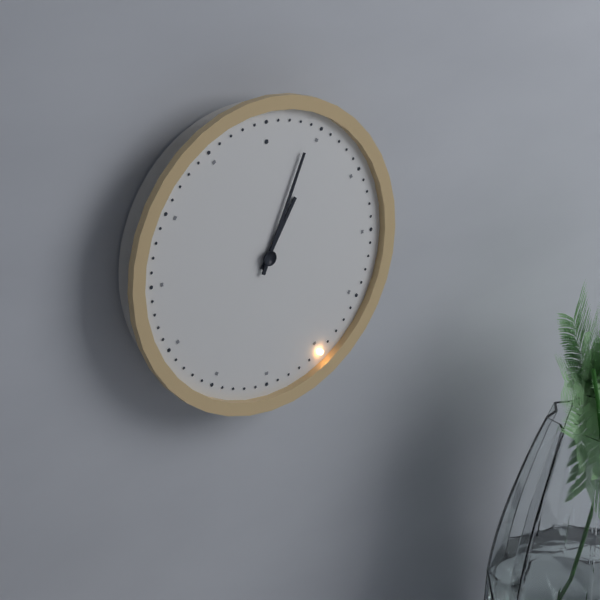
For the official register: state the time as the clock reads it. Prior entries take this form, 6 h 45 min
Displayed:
1 h 04 min
